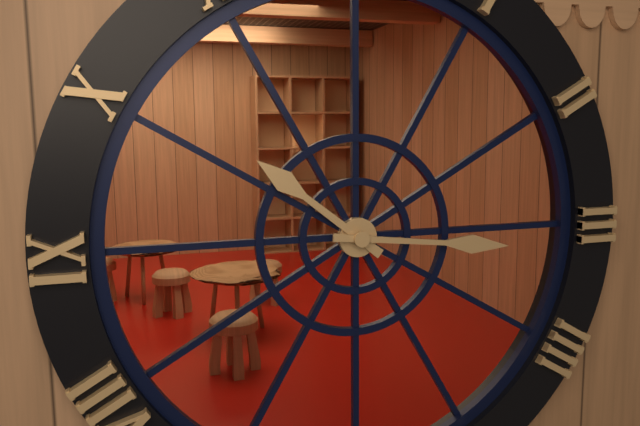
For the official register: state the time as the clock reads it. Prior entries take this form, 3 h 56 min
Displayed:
10 h 16 min
